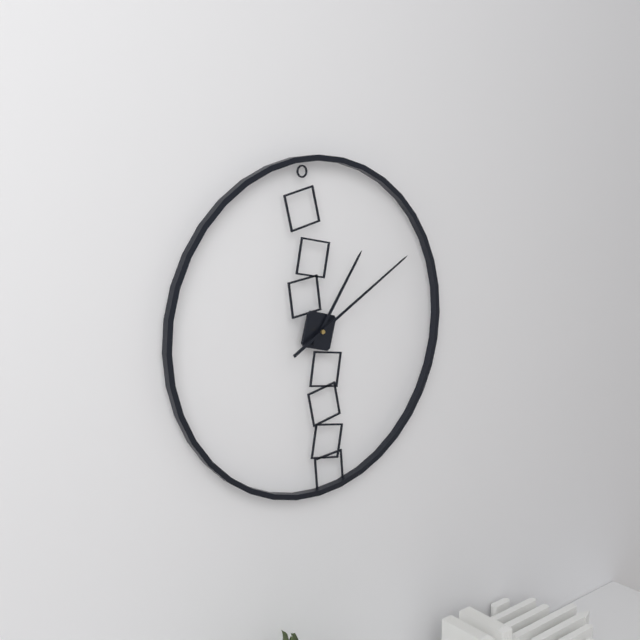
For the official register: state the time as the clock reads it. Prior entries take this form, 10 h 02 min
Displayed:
1 h 10 min
